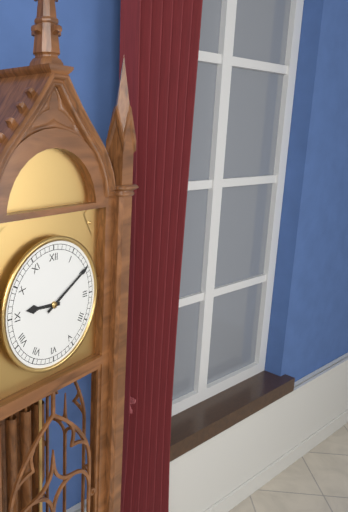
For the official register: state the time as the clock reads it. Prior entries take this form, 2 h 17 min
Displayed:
9 h 10 min
